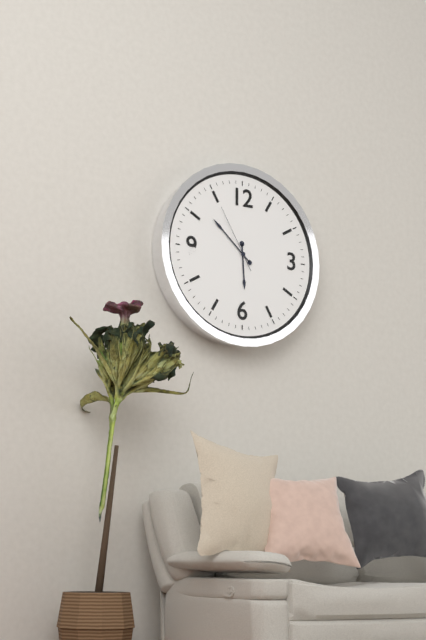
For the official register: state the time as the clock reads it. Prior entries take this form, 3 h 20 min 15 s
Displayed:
5 h 52 min 55 s
